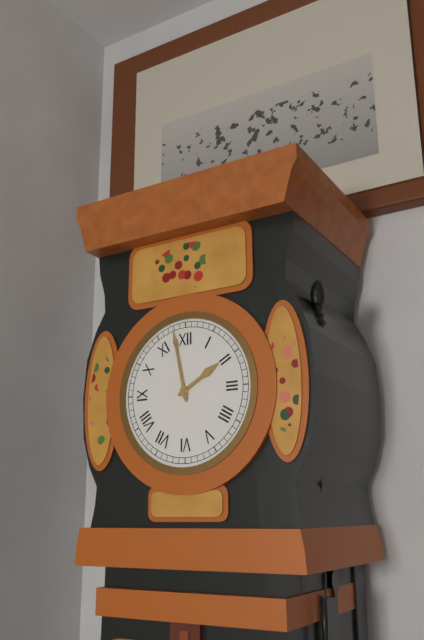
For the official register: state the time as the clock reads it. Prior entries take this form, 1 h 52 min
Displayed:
1 h 58 min
